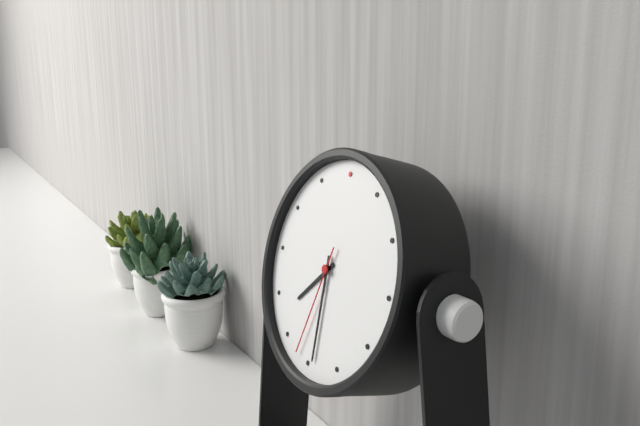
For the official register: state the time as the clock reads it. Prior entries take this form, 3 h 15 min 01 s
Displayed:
7 h 29 min 32 s
